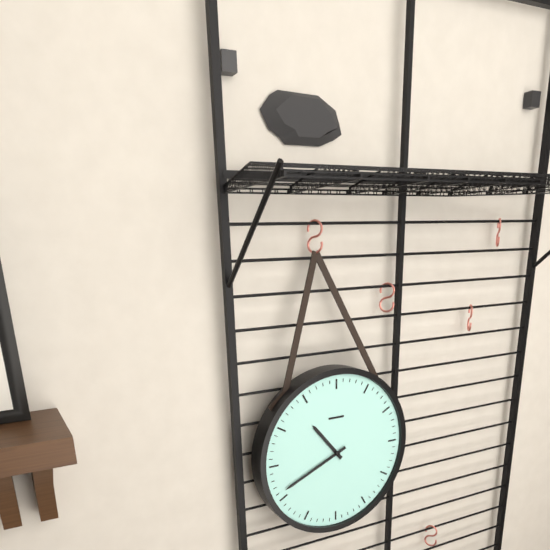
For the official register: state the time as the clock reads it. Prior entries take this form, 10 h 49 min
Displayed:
10 h 41 min
